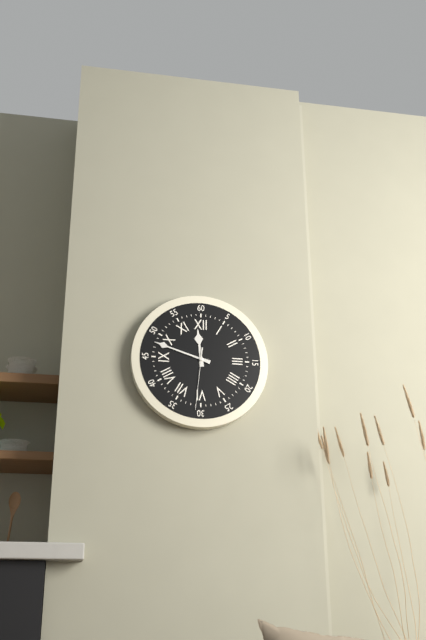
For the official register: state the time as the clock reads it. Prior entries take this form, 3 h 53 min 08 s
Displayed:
11 h 48 min 31 s
